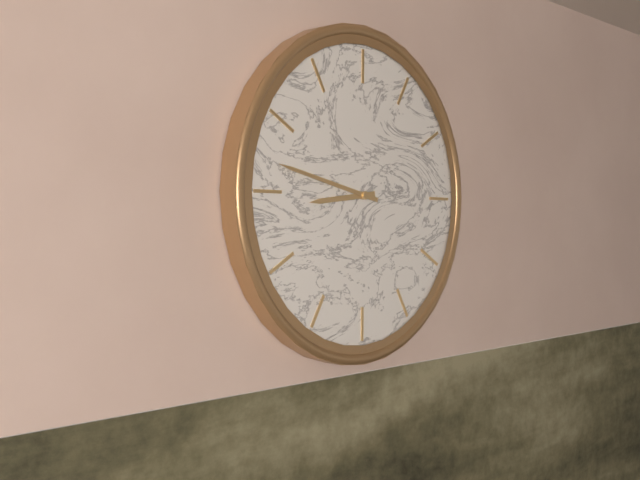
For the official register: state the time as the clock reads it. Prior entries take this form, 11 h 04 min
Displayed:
8 h 47 min
